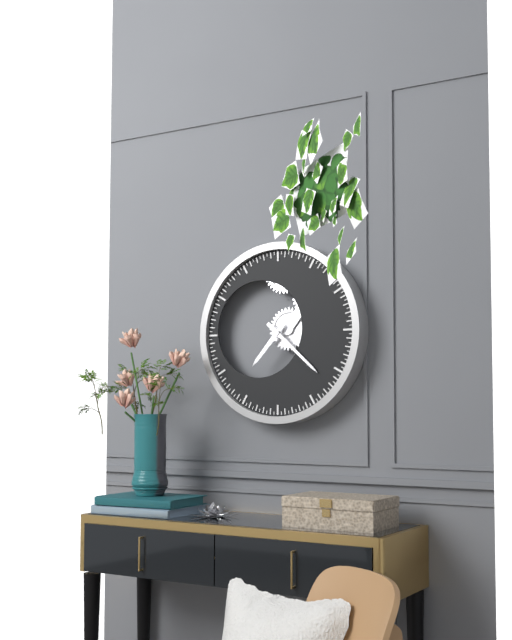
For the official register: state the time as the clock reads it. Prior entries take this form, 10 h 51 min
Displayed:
7 h 22 min
